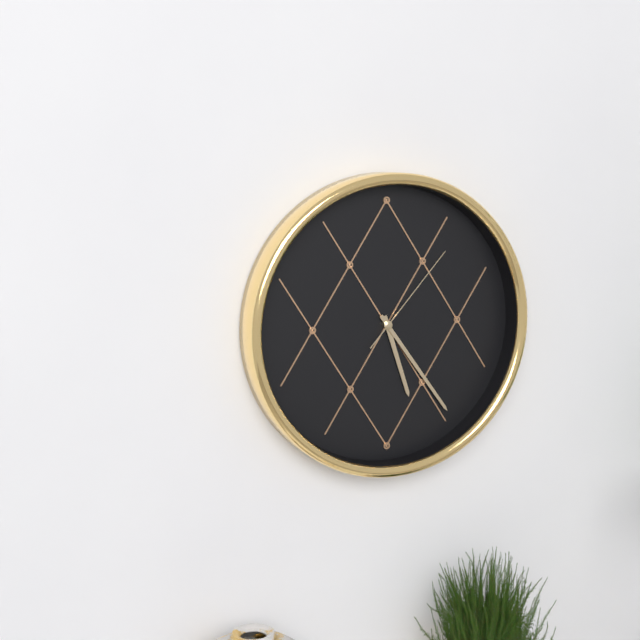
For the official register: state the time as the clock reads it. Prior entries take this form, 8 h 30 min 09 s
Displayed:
5 h 24 min 07 s
